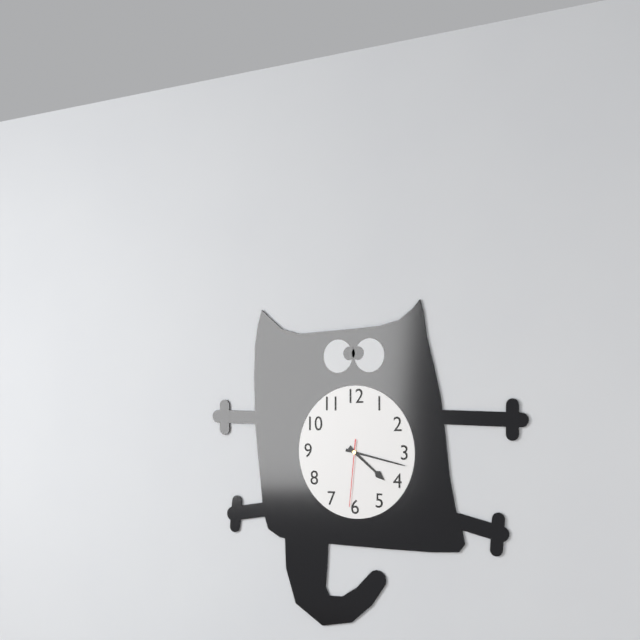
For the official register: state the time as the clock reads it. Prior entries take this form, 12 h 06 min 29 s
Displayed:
4 h 17 min 31 s
